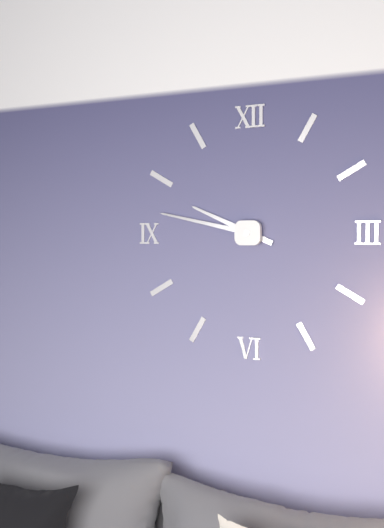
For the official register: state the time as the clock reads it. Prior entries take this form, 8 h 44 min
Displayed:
9 h 47 min
